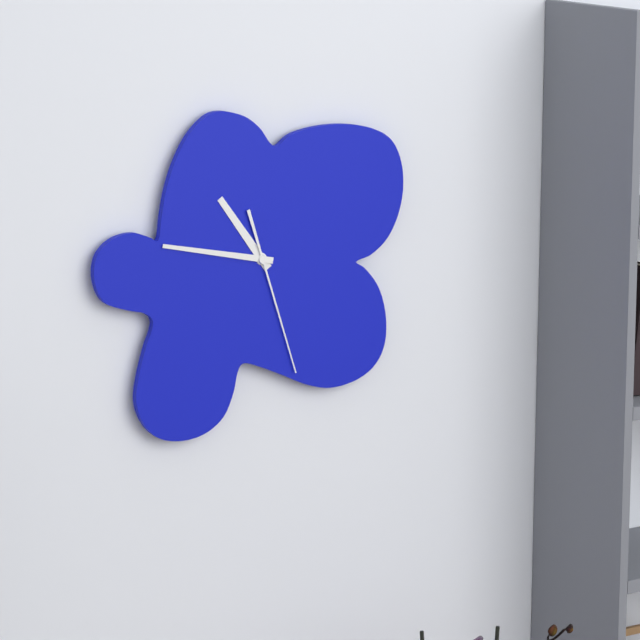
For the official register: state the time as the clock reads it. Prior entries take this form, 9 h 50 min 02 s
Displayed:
10 h 47 min 27 s
